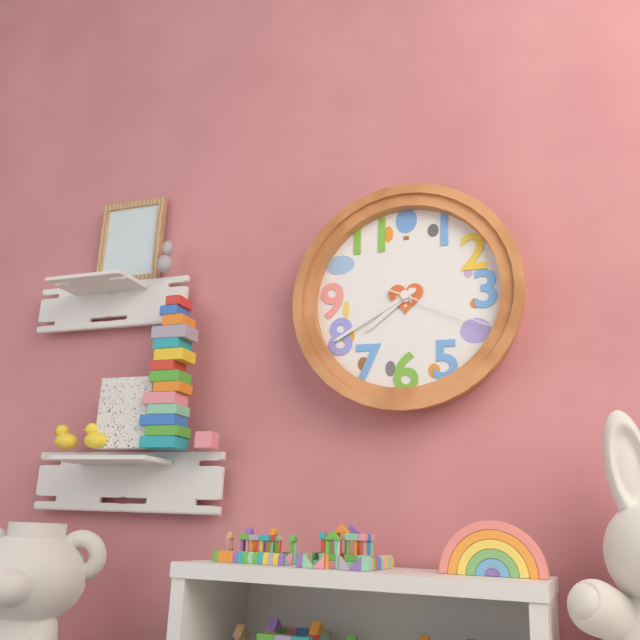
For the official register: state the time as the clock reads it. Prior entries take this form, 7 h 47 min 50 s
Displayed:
7 h 40 min 19 s
